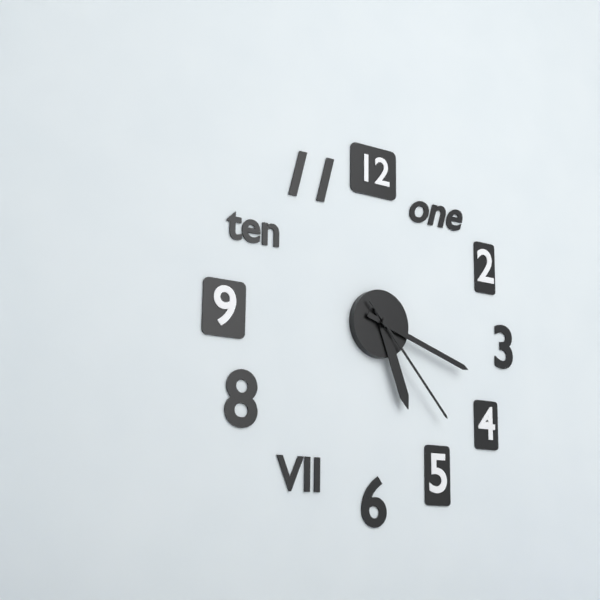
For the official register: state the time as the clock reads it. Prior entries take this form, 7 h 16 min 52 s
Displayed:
5 h 18 min 23 s
